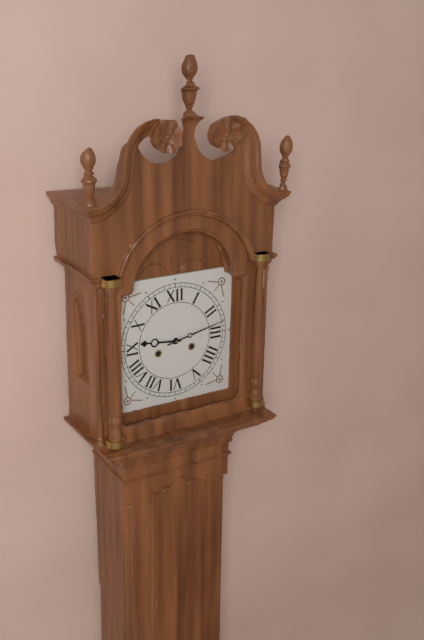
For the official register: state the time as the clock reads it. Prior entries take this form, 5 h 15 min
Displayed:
9 h 13 min
